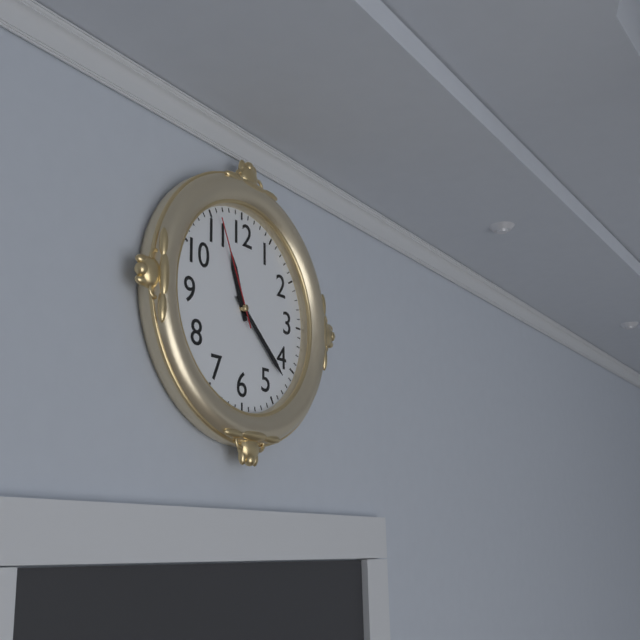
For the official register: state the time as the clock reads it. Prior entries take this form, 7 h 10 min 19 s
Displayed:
11 h 22 min 56 s
